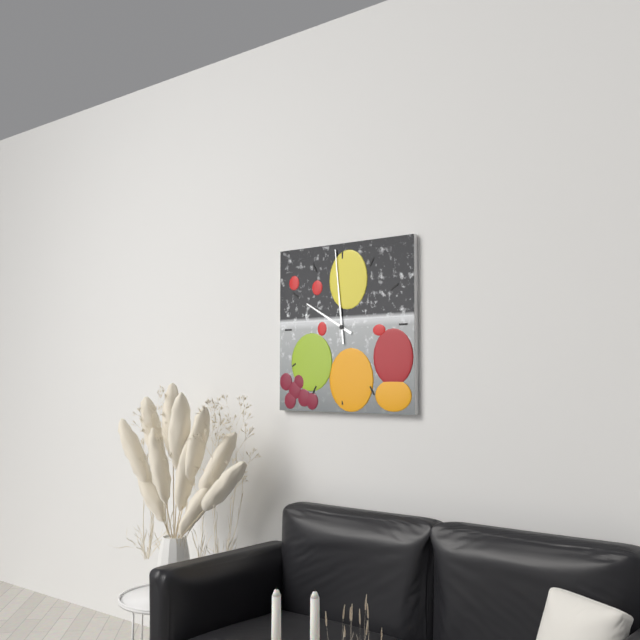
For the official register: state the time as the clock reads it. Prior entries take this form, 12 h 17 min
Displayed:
9 h 59 min
